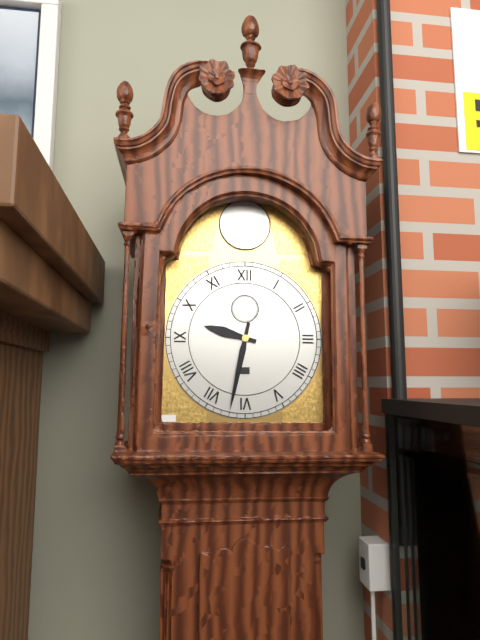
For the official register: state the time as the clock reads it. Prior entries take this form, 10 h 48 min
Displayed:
9 h 32 min
